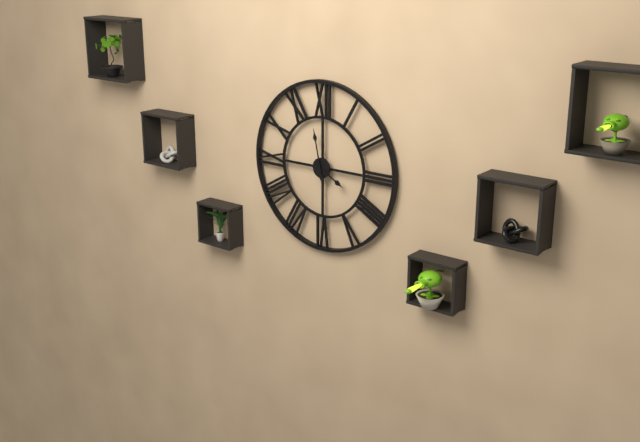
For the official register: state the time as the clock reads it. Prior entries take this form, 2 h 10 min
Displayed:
3 h 58 min
